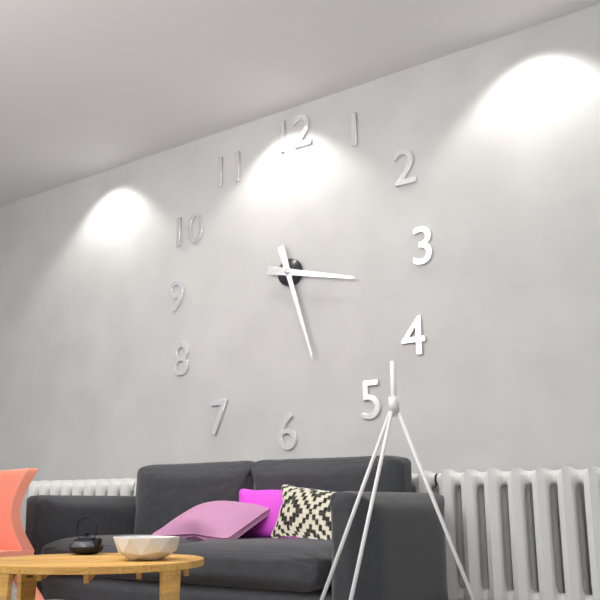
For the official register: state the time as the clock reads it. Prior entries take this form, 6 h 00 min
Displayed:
3 h 27 min
